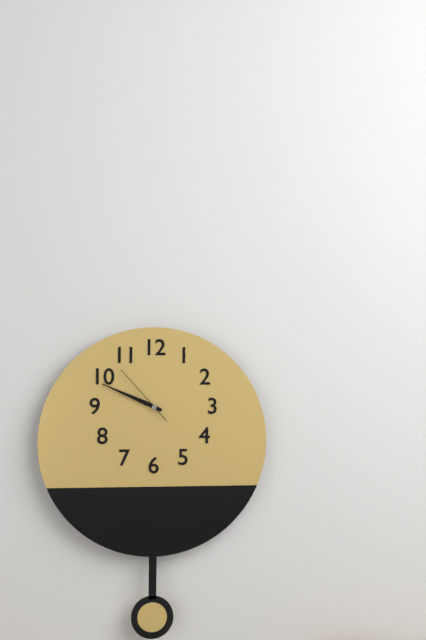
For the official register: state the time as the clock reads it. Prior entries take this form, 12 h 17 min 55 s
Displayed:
9 h 49 min 53 s
